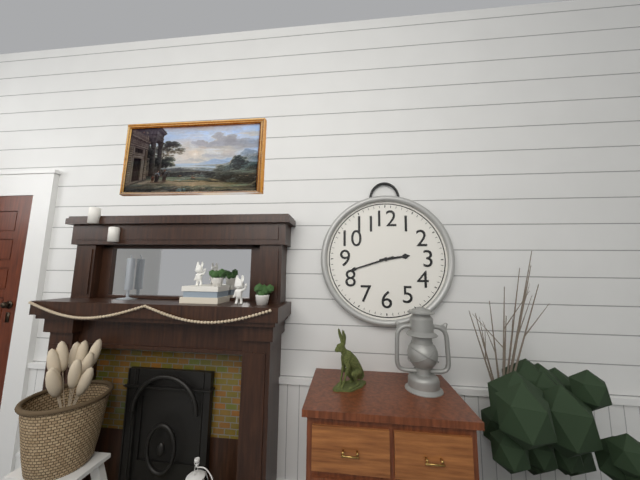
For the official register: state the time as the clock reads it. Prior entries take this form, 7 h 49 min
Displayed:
2 h 42 min
